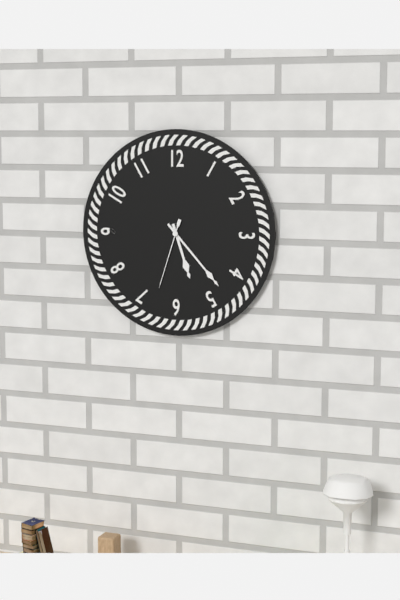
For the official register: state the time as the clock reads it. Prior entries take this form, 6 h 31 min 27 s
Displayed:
5 h 23 min 33 s
